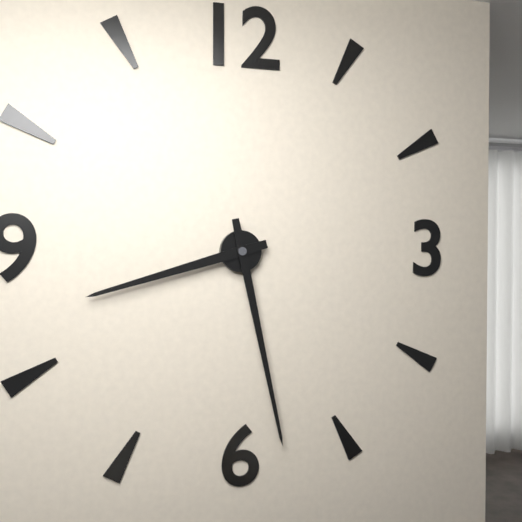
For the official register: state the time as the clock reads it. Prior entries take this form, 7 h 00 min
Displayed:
8 h 28 min
